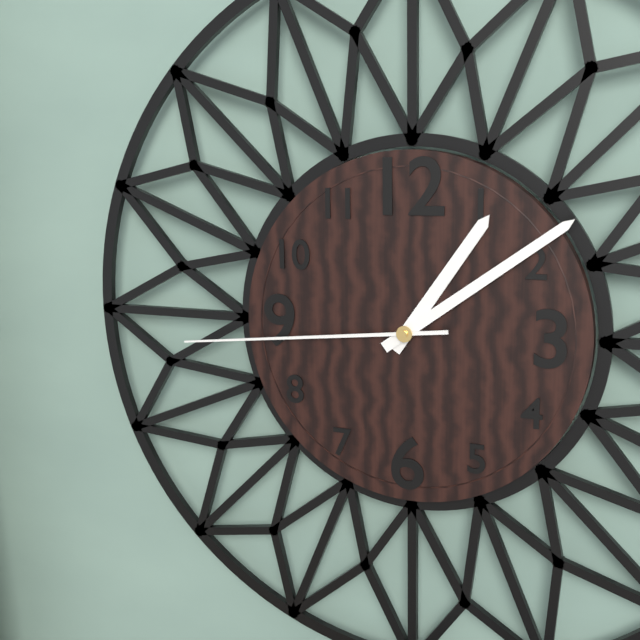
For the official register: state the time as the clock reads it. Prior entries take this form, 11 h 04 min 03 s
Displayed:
1 h 09 min 44 s
